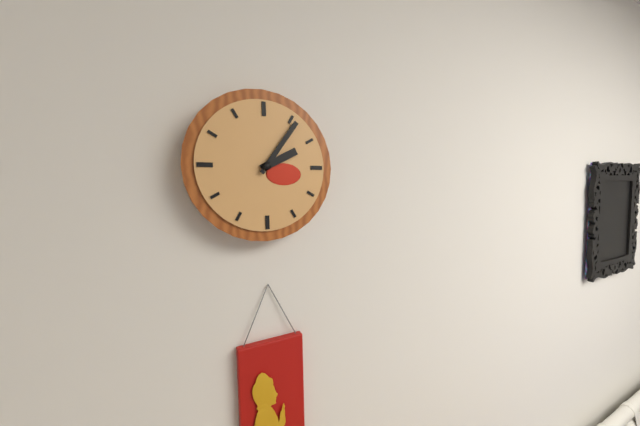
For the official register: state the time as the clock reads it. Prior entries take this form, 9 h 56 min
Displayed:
2 h 06 min
